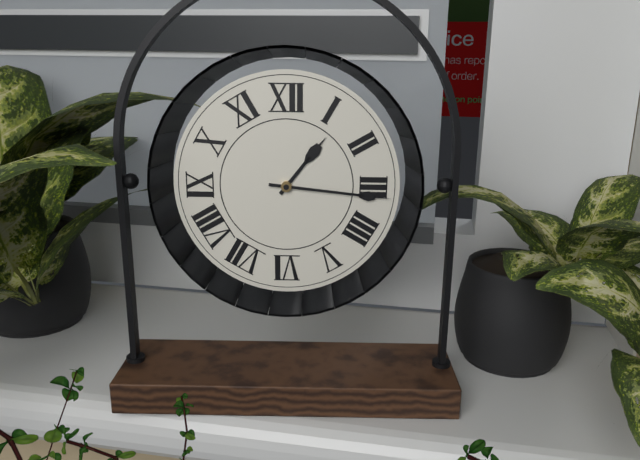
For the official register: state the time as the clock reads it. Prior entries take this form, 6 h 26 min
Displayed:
1 h 16 min
